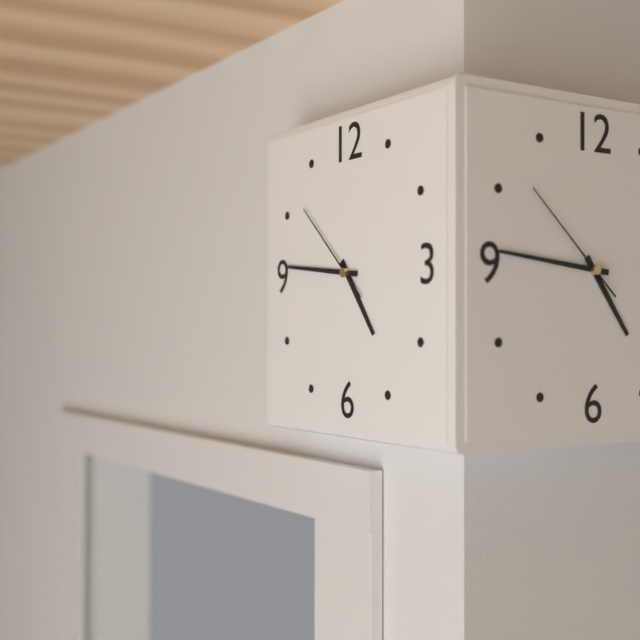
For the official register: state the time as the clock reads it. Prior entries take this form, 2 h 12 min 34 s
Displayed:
4 h 46 min 52 s
